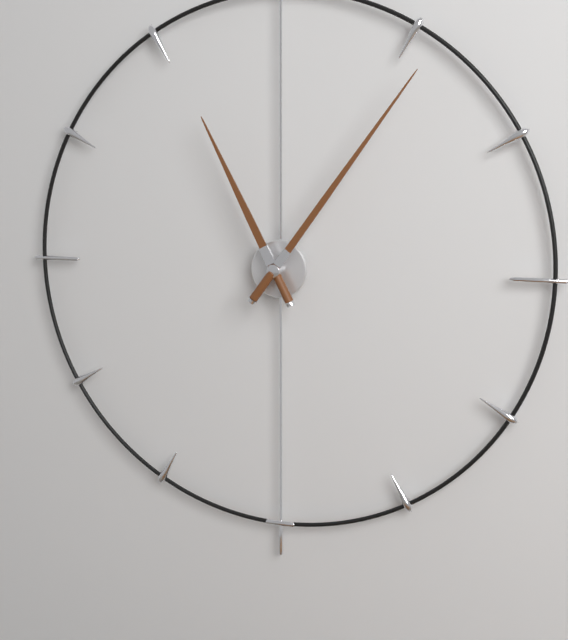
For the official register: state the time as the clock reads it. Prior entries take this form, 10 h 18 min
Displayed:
11 h 06 min
